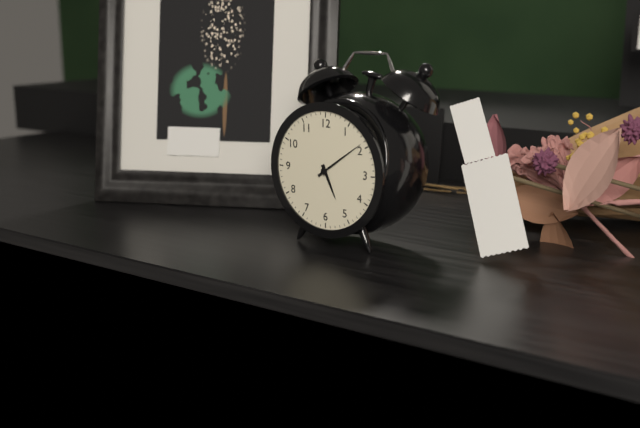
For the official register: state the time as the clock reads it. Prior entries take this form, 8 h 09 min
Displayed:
5 h 09 min
